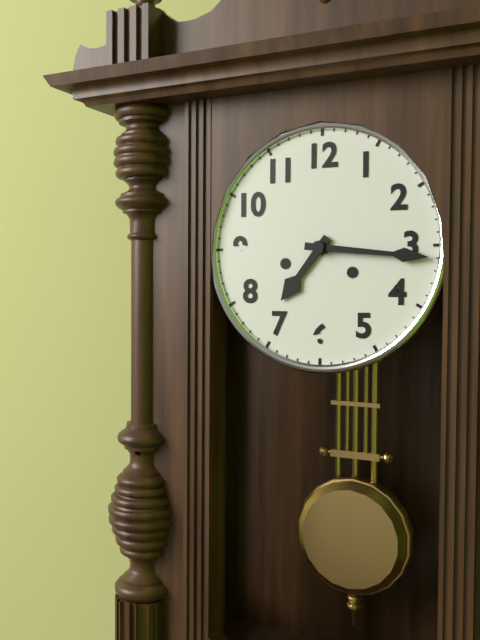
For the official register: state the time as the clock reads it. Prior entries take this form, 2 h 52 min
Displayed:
7 h 16 min
